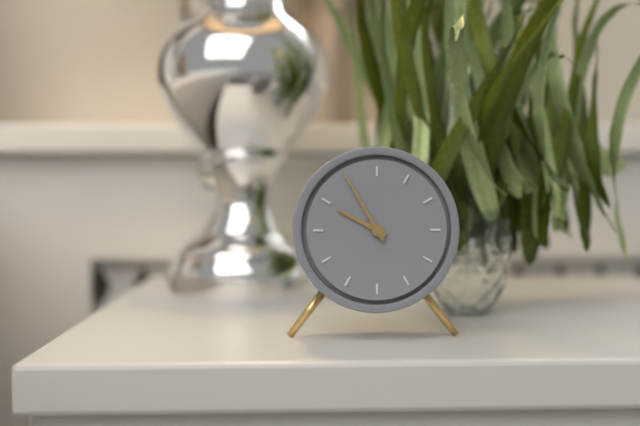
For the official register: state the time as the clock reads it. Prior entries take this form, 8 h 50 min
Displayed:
9 h 55 min
